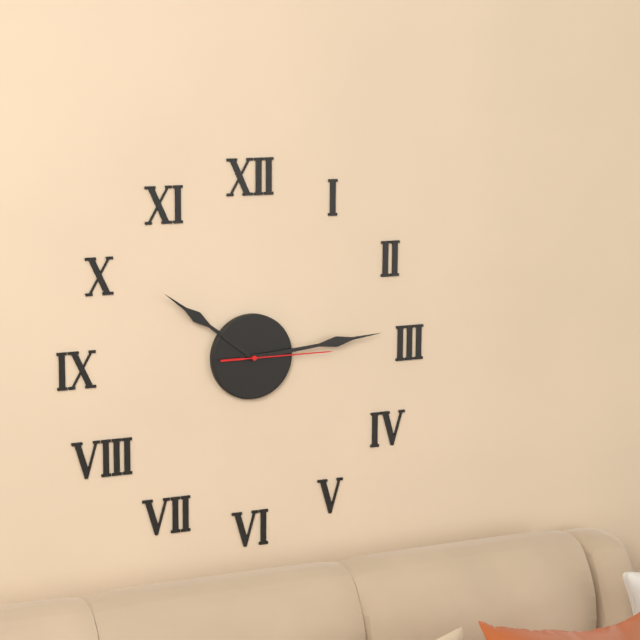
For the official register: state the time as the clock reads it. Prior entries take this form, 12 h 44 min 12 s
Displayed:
10 h 14 min 15 s
